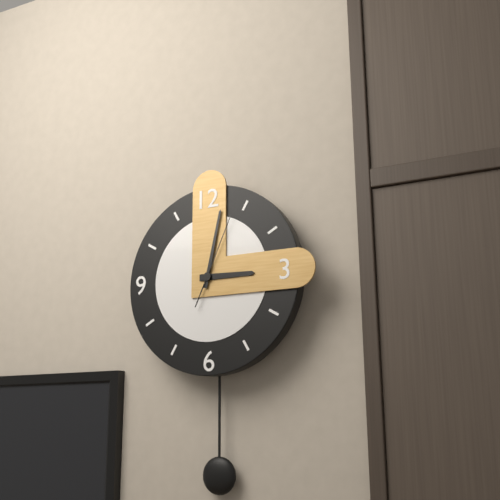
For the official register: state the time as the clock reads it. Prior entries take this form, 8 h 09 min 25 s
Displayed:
3 h 02 min 04 s
